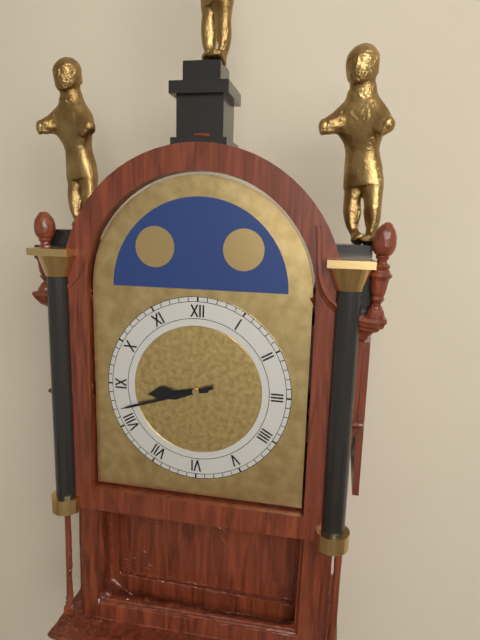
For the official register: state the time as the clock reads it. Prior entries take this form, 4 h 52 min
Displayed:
8 h 42 min
